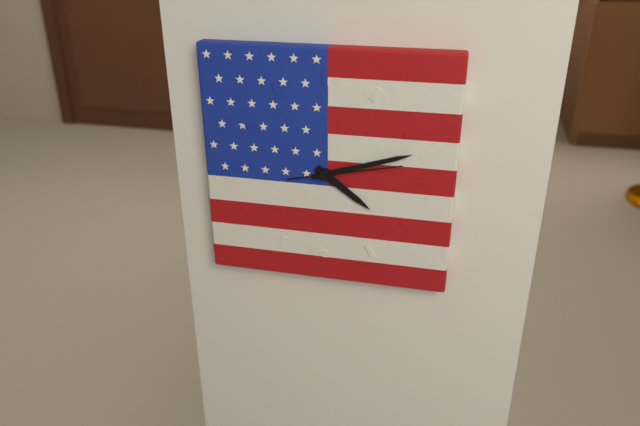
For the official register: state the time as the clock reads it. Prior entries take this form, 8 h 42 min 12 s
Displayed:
4 h 12 min 13 s
